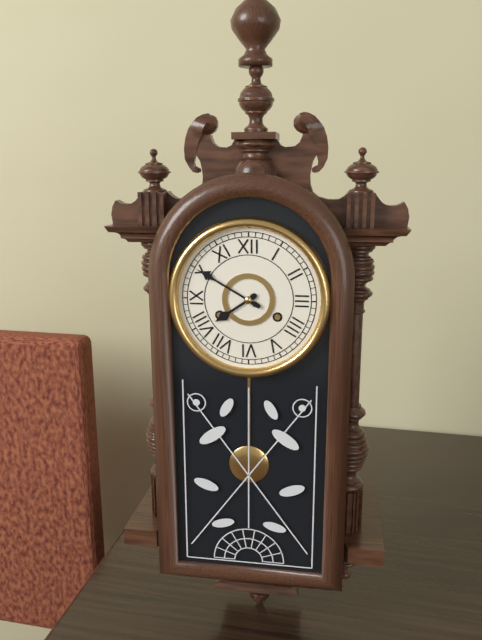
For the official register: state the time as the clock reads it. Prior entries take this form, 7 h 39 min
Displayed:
7 h 50 min
